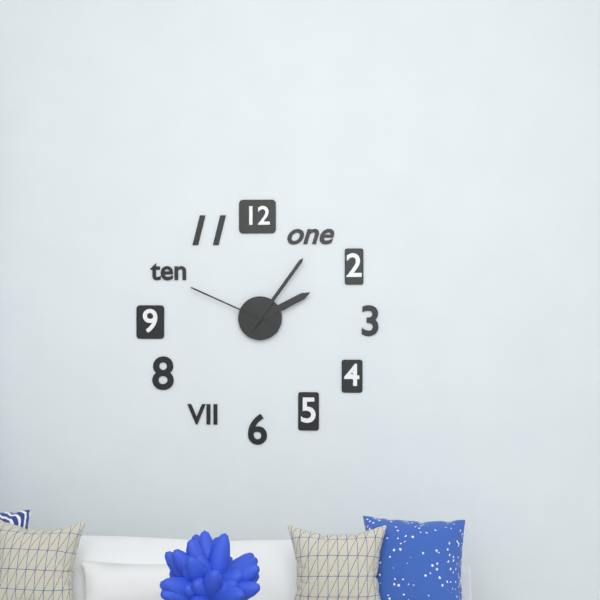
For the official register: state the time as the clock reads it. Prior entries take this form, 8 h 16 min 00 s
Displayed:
2 h 06 min 49 s
